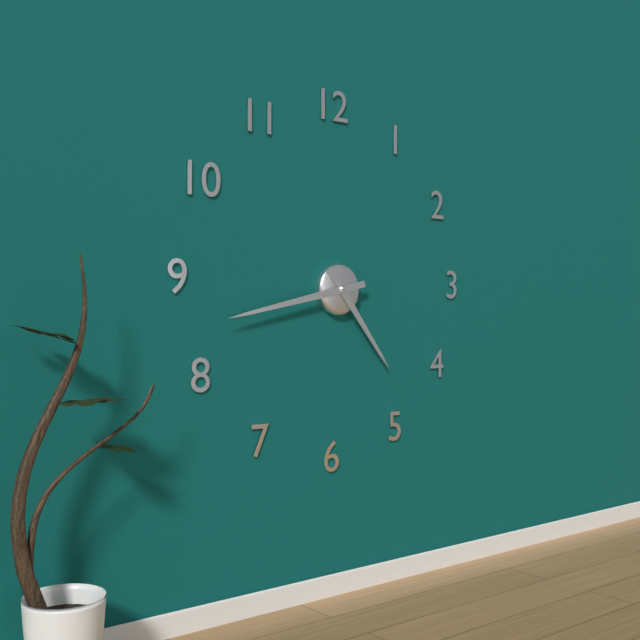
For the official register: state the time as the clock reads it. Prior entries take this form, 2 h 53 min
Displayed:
4 h 43 min
